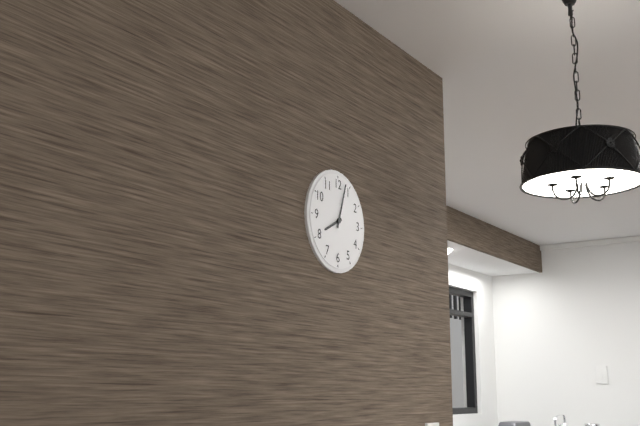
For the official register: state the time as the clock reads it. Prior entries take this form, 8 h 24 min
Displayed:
8 h 03 min
